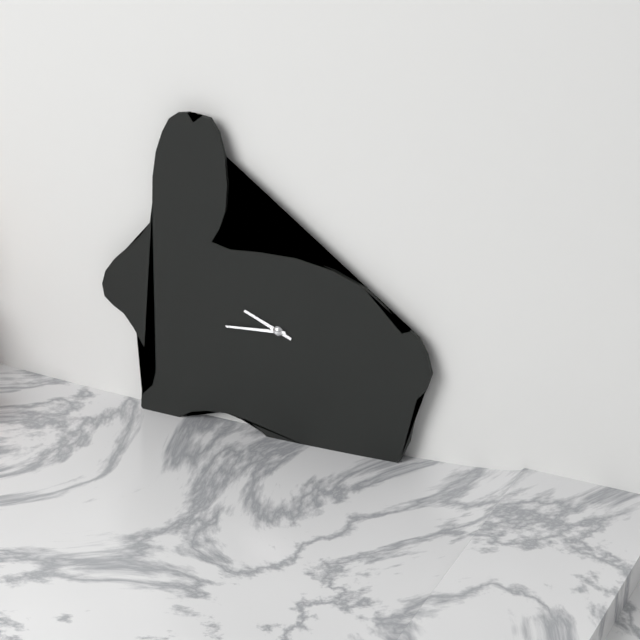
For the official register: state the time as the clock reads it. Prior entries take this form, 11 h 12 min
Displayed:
9 h 44 min
